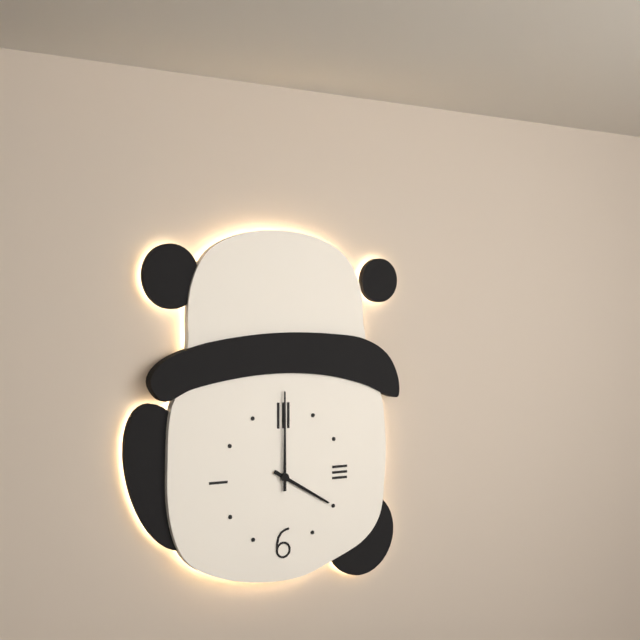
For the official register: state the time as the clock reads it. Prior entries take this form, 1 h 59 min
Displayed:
4 h 00 min
